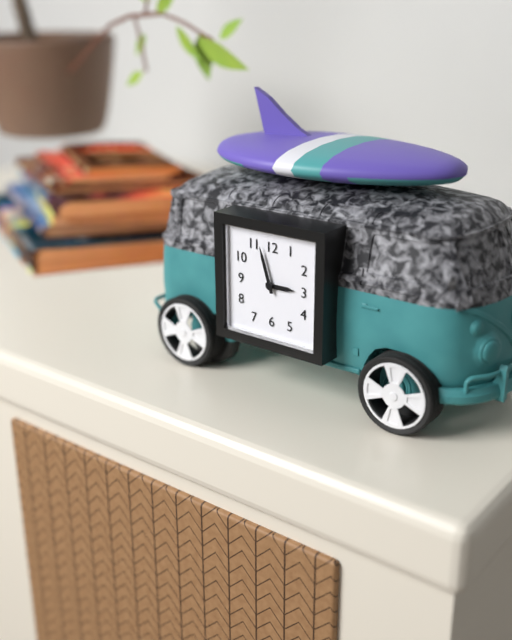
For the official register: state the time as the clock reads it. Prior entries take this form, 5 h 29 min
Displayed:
2 h 57 min
